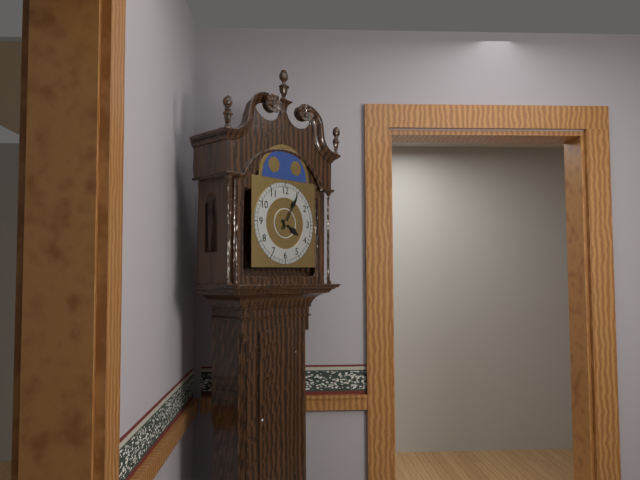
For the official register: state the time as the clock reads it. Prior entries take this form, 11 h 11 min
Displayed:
4 h 05 min
